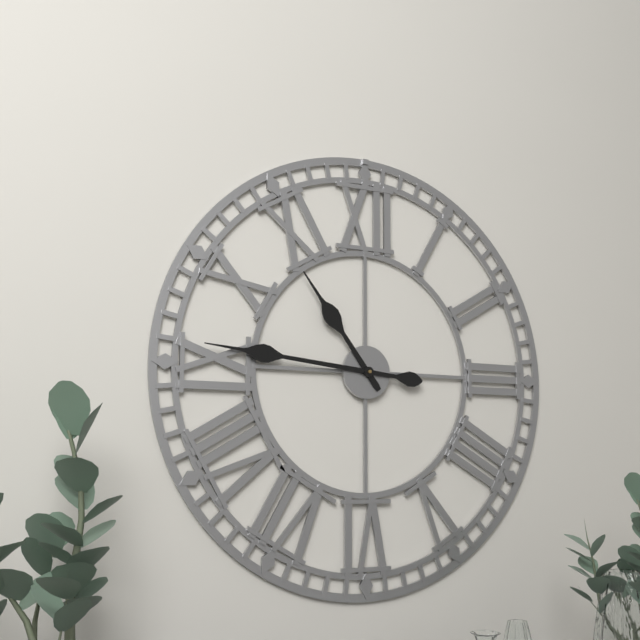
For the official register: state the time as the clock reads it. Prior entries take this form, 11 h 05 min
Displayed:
10 h 46 min
